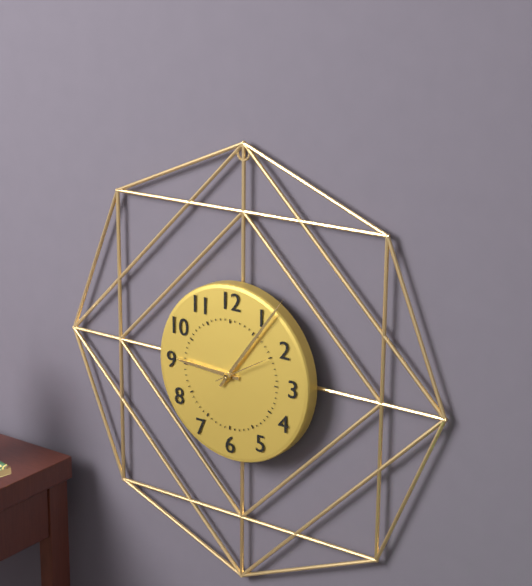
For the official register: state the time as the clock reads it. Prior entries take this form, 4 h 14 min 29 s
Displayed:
9 h 06 min 10 s
